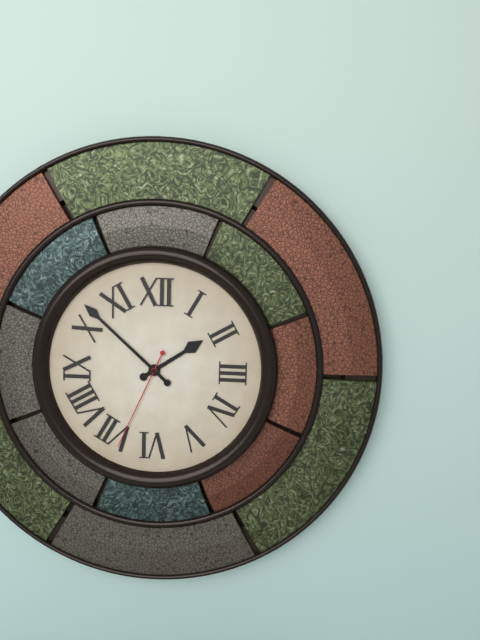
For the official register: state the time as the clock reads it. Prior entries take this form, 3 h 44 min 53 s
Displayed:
1 h 52 min 34 s
